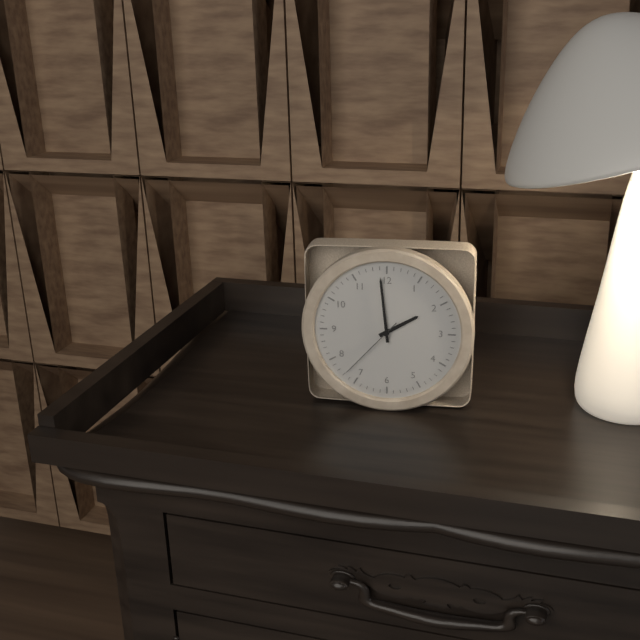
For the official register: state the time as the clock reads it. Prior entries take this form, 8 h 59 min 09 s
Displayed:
1 h 59 min 37 s
